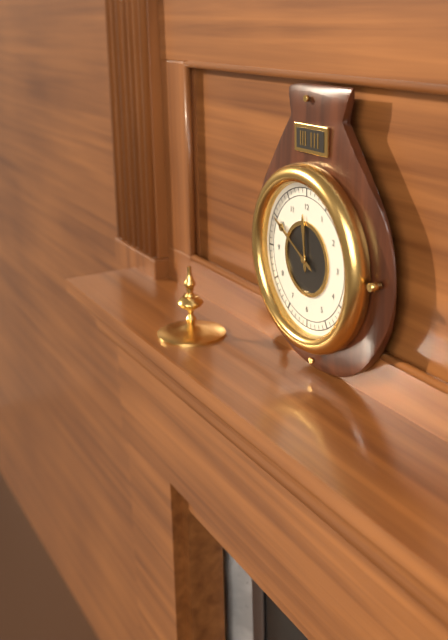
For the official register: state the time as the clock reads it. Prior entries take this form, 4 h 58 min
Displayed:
11 h 50 min
